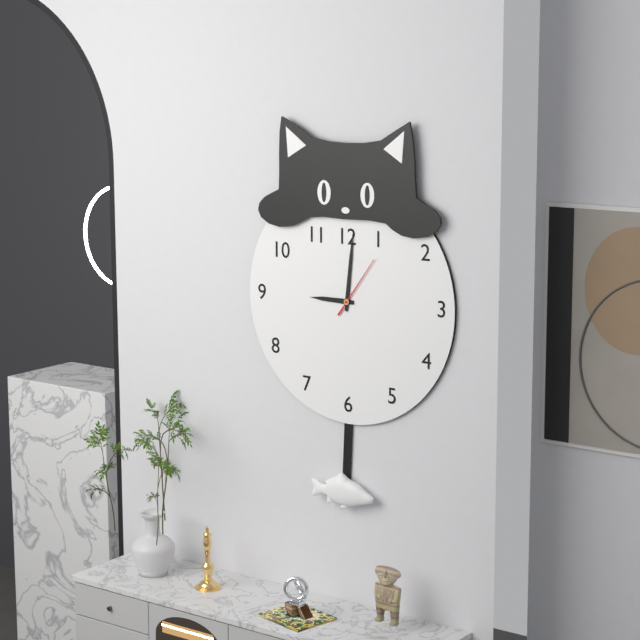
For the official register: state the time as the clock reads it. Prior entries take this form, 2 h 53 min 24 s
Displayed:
9 h 01 min 06 s
